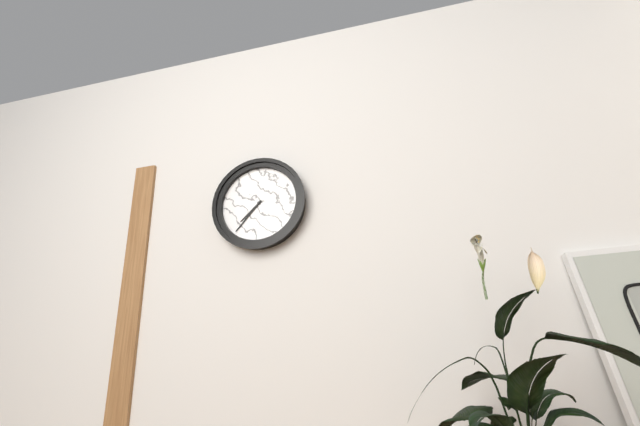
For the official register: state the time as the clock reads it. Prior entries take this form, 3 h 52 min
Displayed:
7 h 37 min
